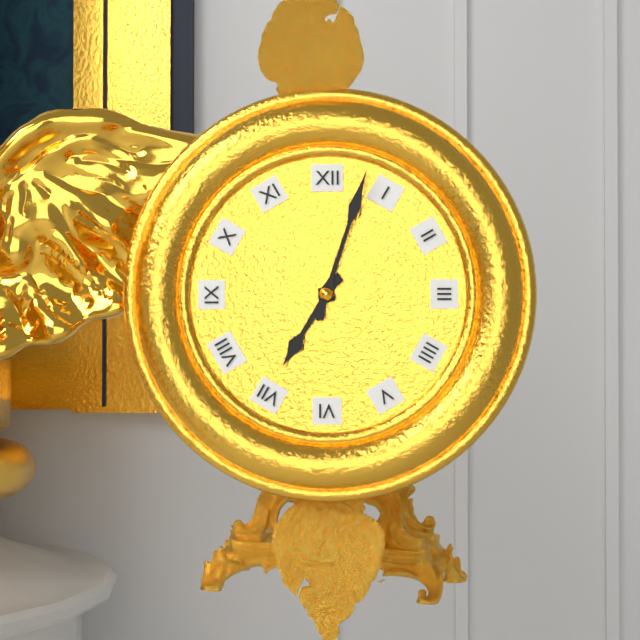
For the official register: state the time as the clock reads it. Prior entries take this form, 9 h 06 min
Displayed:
7 h 03 min
